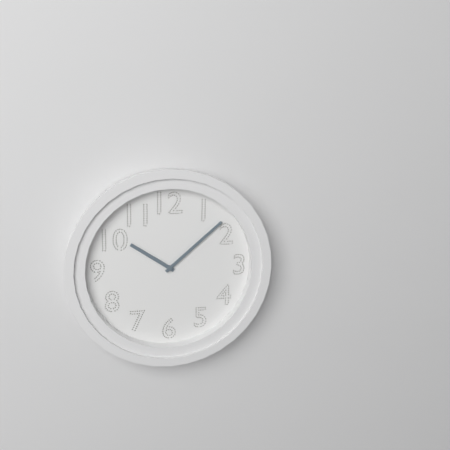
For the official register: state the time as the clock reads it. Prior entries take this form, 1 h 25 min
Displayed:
10 h 08 min
